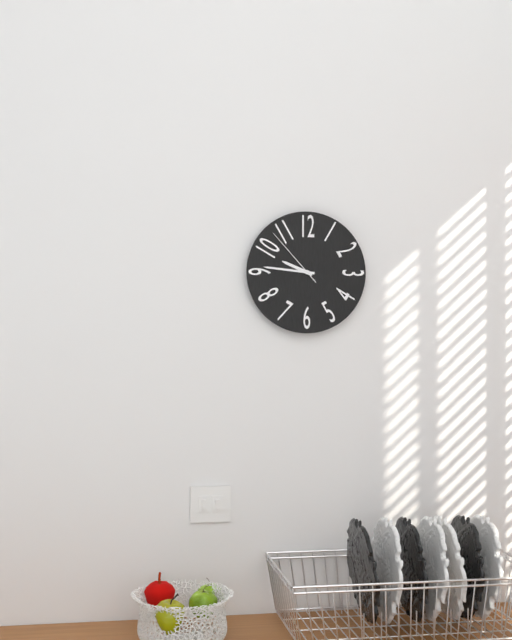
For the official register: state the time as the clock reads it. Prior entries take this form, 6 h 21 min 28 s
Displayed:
9 h 46 min 53 s
